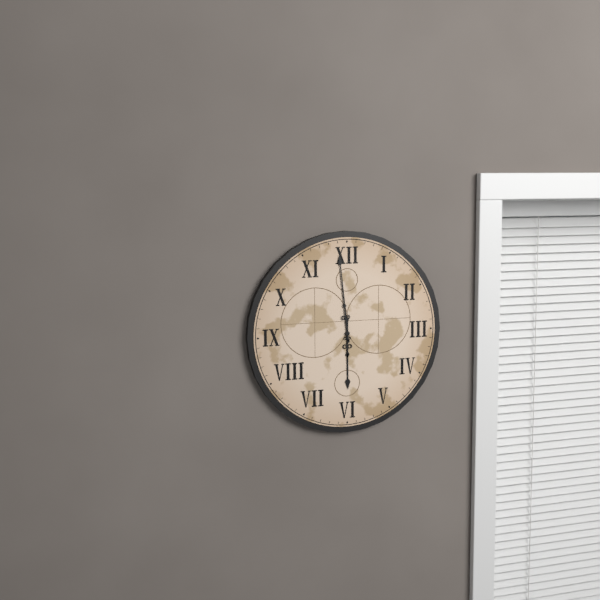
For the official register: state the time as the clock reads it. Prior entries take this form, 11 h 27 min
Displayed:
5 h 59 min
